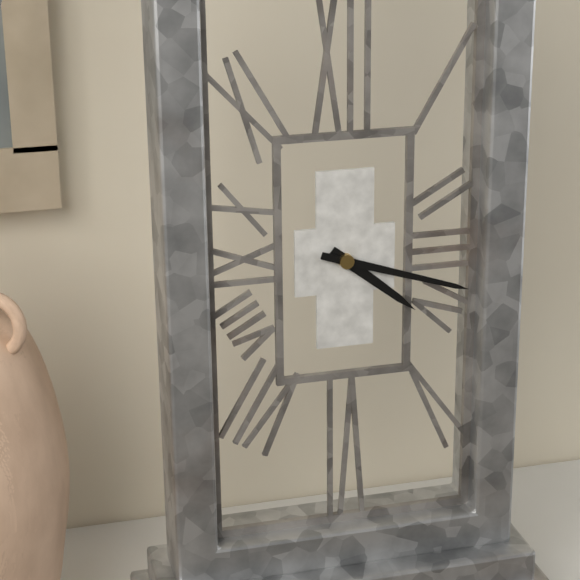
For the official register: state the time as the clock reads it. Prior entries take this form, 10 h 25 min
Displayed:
4 h 18 min
